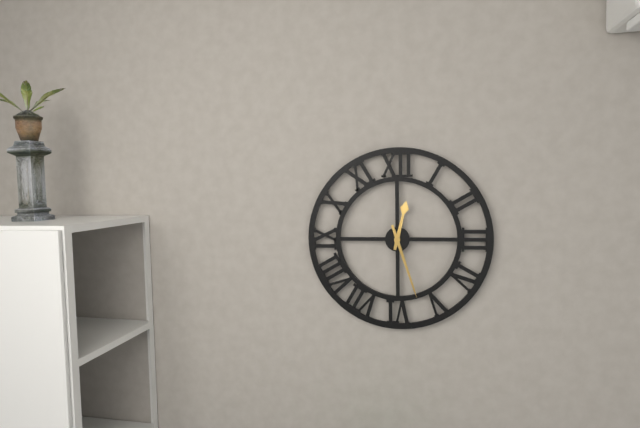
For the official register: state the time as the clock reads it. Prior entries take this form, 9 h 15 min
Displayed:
12 h 27 min
